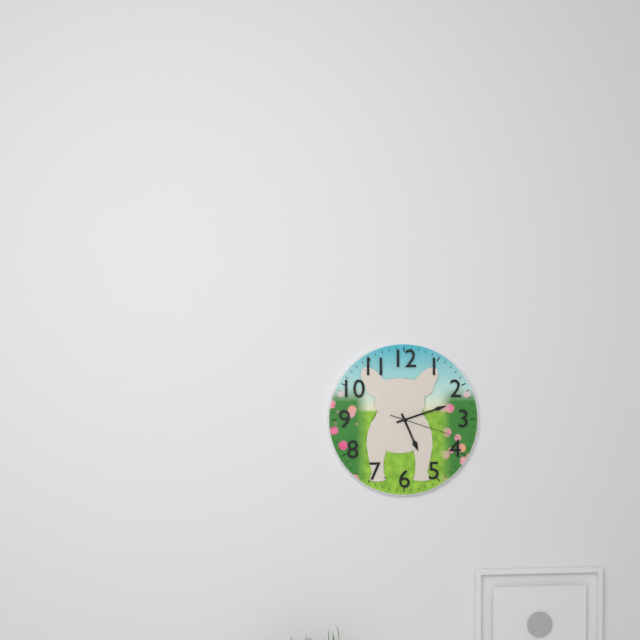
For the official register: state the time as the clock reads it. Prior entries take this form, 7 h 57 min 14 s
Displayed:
5 h 12 min 18 s
